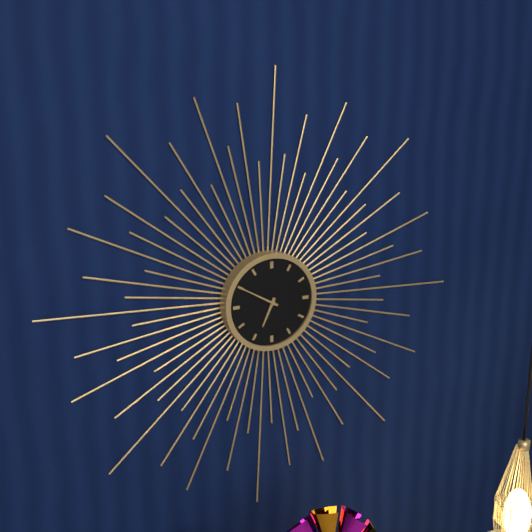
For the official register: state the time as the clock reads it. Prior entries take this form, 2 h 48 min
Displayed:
6 h 50 min
